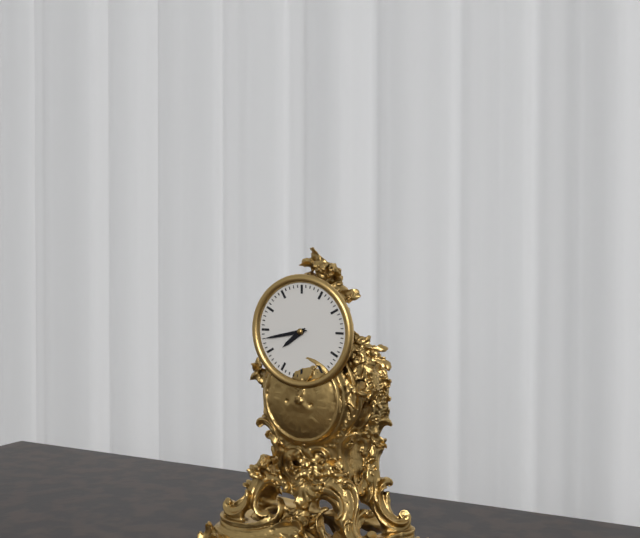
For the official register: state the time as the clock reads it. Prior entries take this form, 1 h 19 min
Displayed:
7 h 43 min
